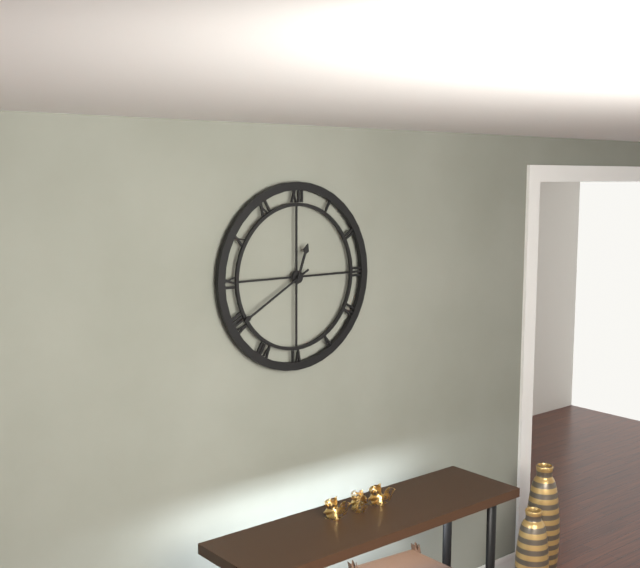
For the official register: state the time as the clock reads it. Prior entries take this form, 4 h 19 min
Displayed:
12 h 40 min
